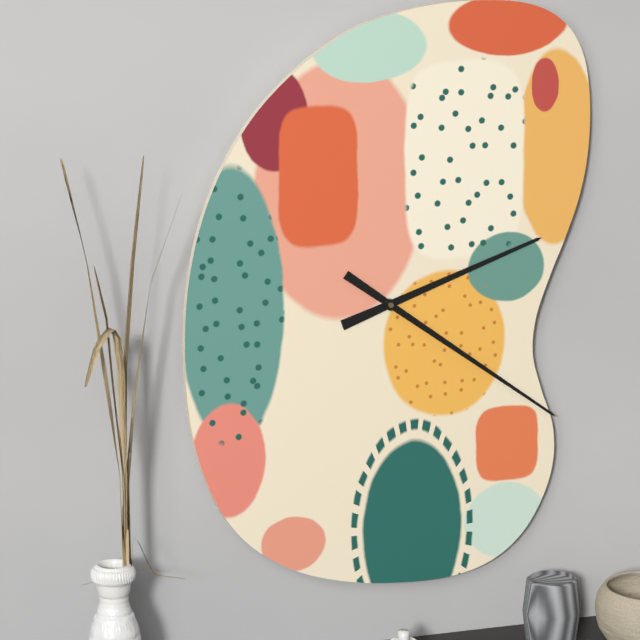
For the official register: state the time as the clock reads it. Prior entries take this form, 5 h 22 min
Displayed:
2 h 21 min
